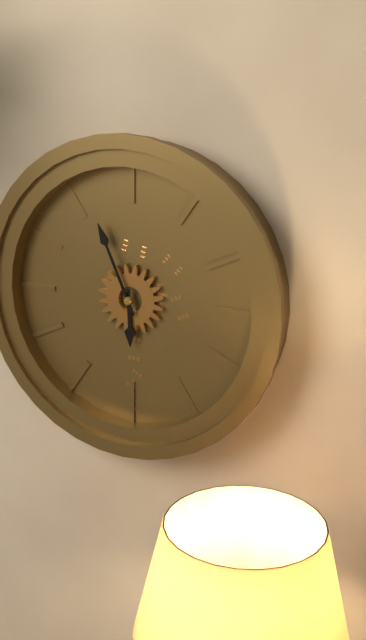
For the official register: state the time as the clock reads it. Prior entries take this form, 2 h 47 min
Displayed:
5 h 56 min
